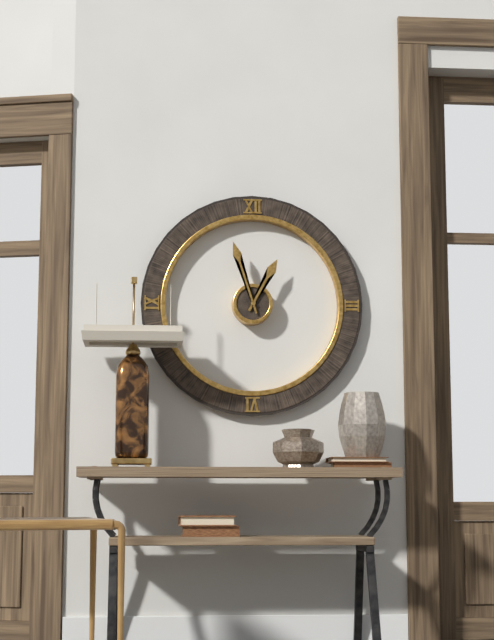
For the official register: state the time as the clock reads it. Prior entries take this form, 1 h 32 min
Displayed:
12 h 57 min
